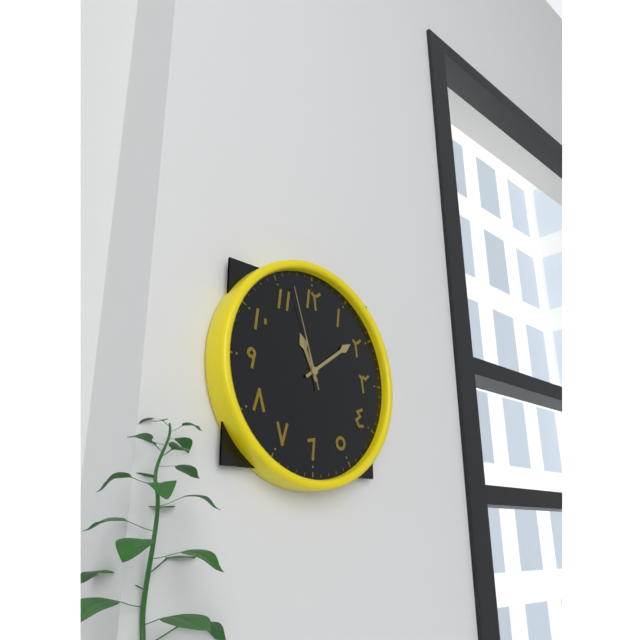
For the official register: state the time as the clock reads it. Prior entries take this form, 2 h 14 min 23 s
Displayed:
11 h 09 min 57 s
